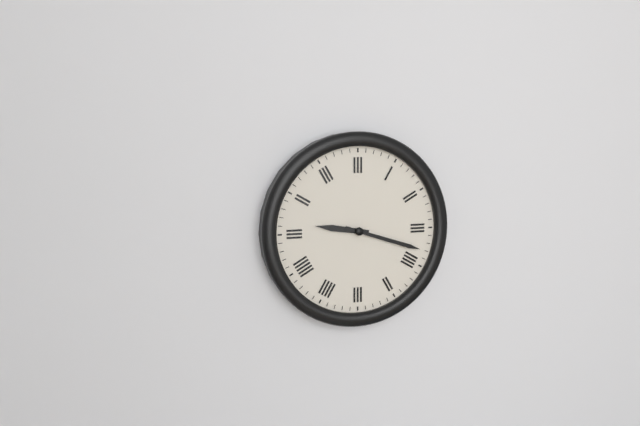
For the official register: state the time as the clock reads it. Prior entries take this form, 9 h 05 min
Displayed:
9 h 18 min
